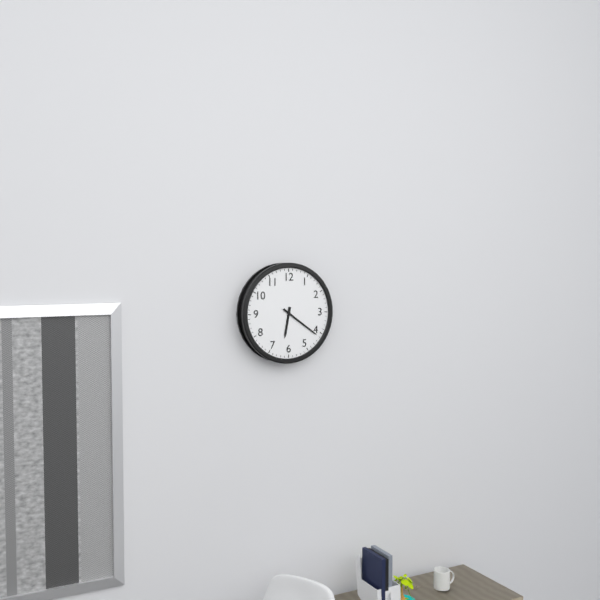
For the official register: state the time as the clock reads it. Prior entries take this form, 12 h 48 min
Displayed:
6 h 21 min
